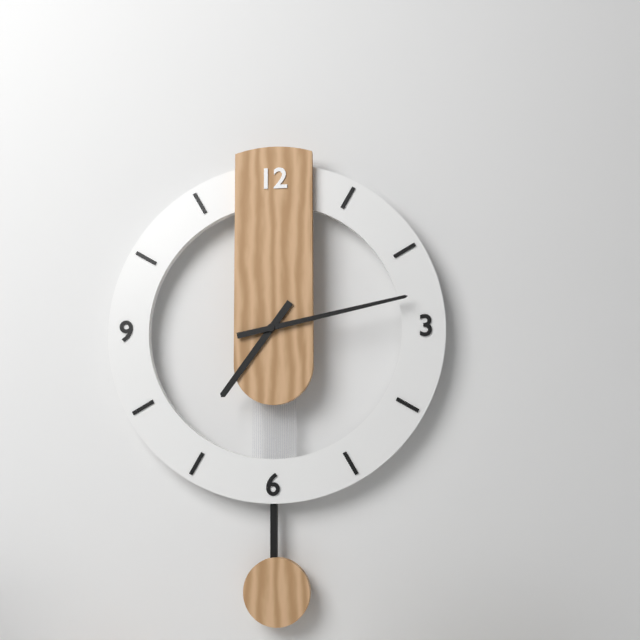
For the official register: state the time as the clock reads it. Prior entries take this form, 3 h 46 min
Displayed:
7 h 13 min
